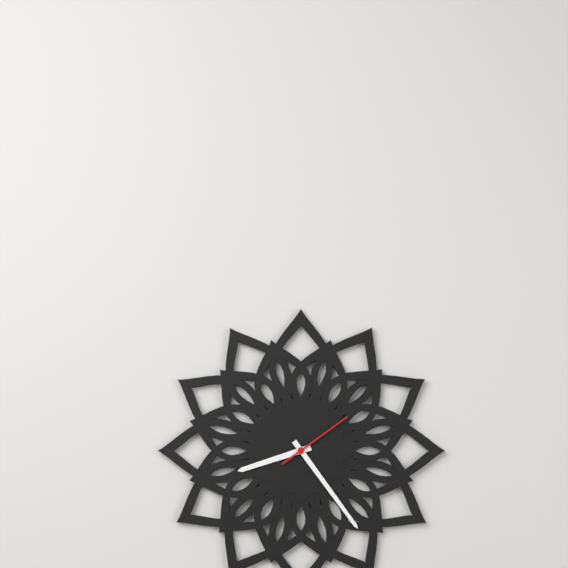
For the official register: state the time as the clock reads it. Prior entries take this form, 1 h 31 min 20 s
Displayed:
8 h 24 min 09 s
